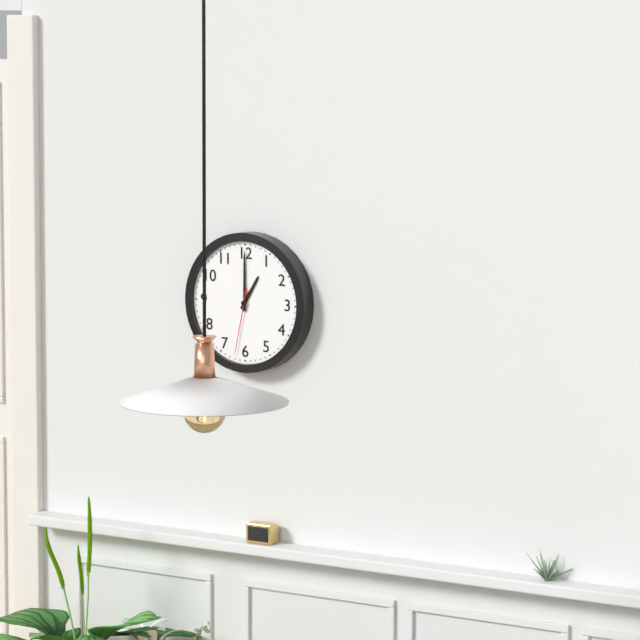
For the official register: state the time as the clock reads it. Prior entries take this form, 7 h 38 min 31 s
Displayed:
1 h 00 min 32 s
